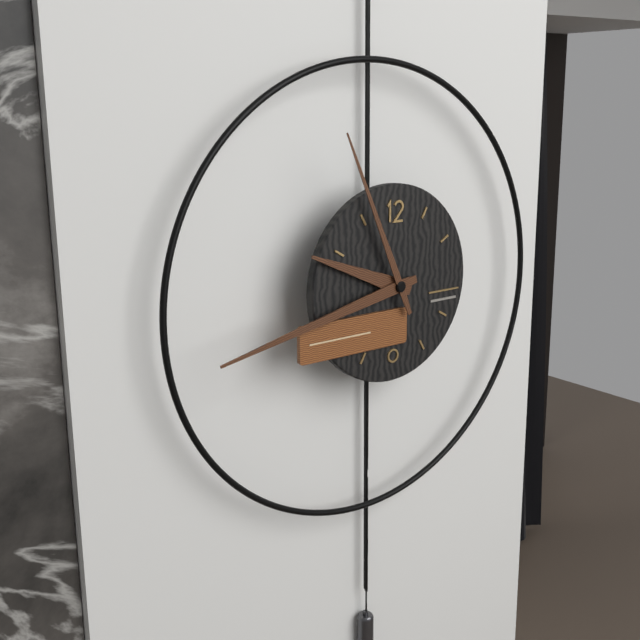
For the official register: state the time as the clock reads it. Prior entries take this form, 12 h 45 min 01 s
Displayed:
9 h 43 min 56 s
